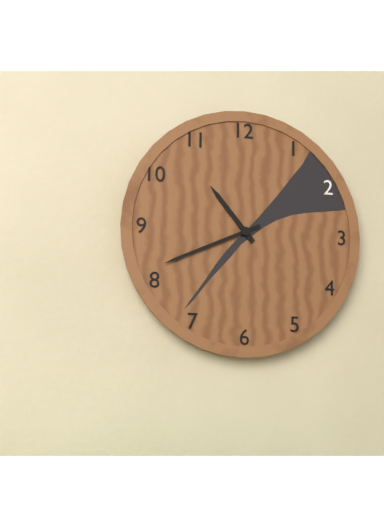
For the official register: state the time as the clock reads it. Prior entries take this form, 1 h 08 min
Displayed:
10 h 41 min
